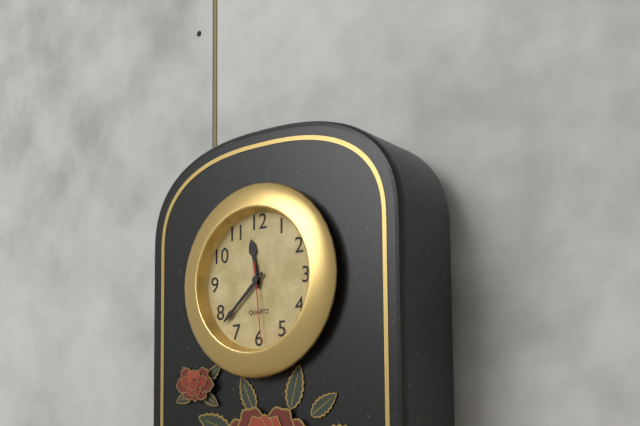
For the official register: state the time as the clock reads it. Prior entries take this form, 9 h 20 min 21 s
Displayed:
11 h 38 min 29 s
